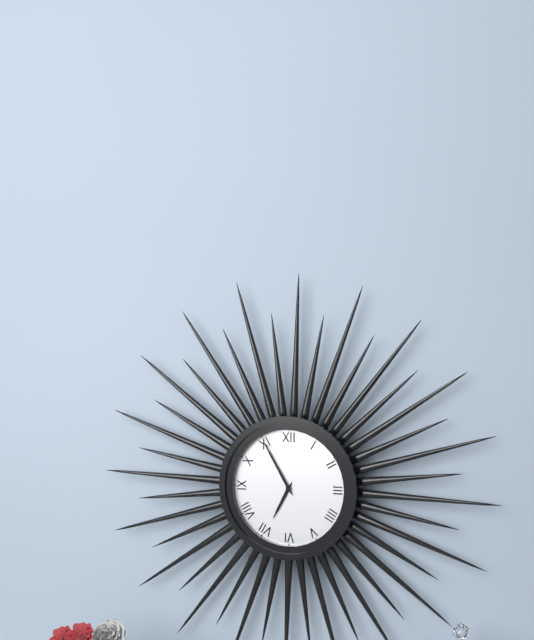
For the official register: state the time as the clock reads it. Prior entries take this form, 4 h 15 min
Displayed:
6 h 55 min
